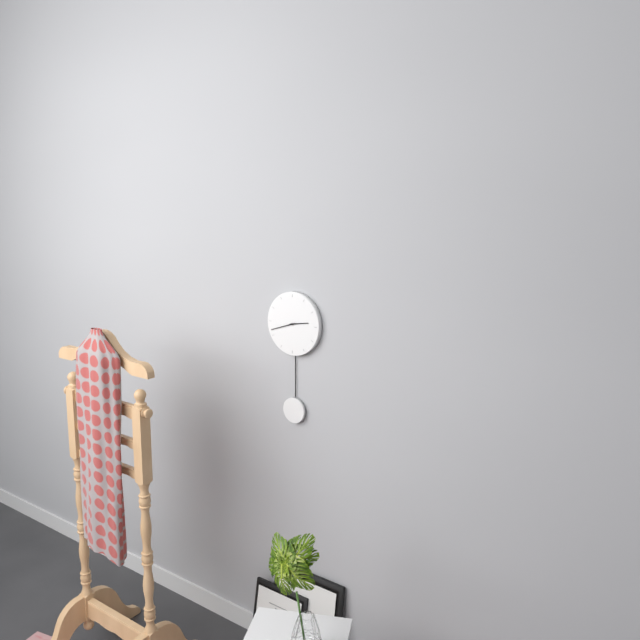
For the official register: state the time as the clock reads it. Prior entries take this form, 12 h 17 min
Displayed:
2 h 42 min
